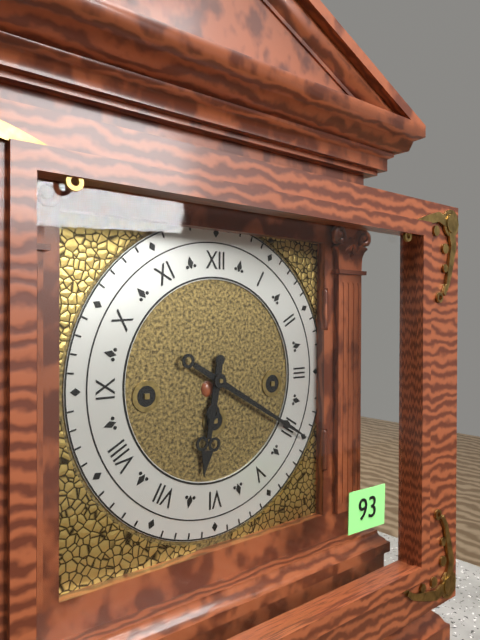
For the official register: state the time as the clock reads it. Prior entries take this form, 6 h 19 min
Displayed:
6 h 20 min
